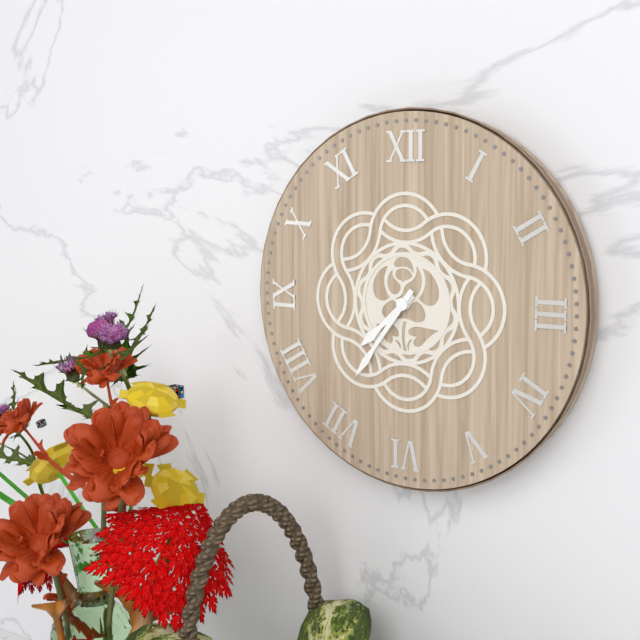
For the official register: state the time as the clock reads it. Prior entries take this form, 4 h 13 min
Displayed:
7 h 36 min
